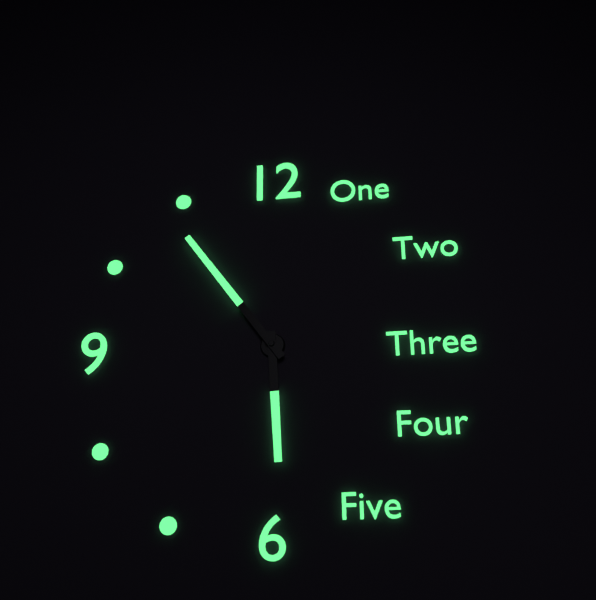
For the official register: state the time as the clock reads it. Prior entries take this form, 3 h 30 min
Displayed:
5 h 54 min
